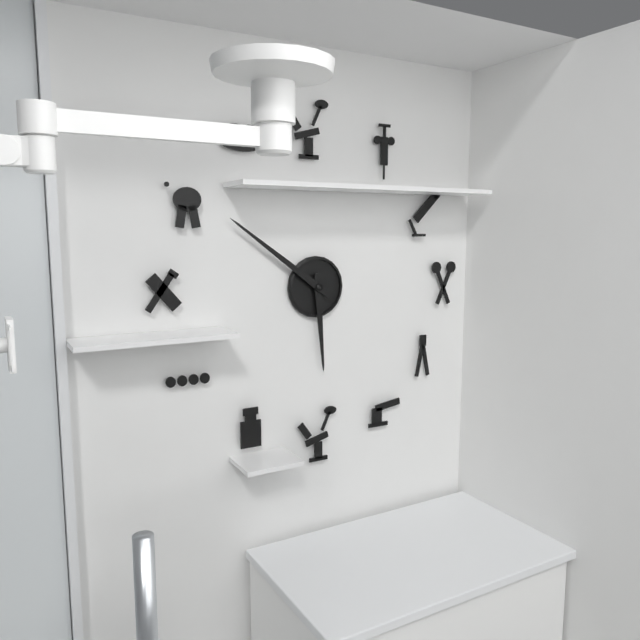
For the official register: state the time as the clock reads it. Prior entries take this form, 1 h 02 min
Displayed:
5 h 51 min
